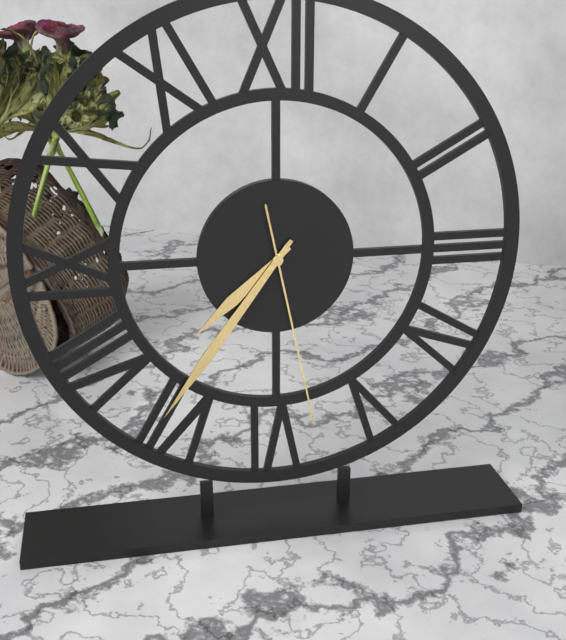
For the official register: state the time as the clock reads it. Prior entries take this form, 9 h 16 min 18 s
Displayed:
7 h 36 min 28 s
